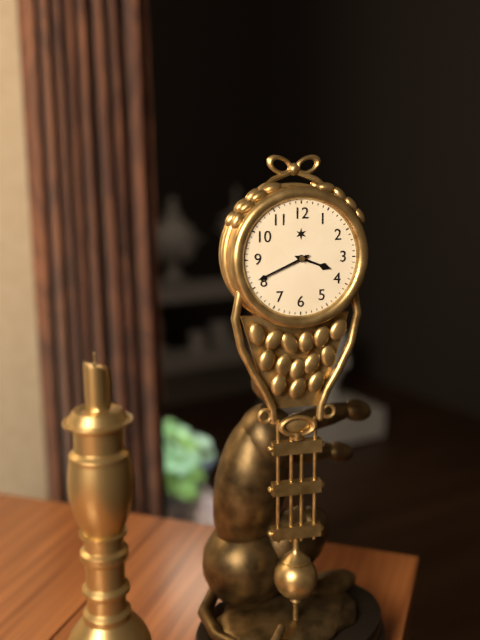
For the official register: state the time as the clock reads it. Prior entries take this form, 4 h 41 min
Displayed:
3 h 41 min
